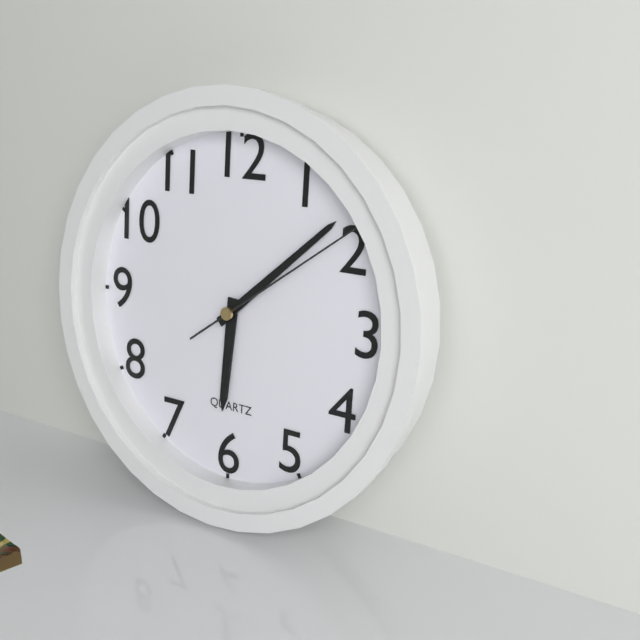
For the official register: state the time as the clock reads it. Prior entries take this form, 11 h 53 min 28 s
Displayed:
6 h 08 min 09 s
